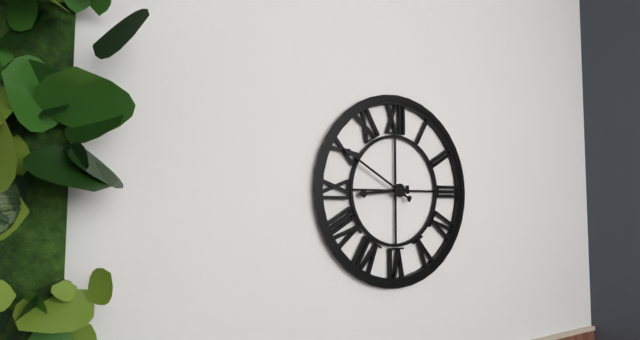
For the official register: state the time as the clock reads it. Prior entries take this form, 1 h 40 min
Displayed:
8 h 50 min
